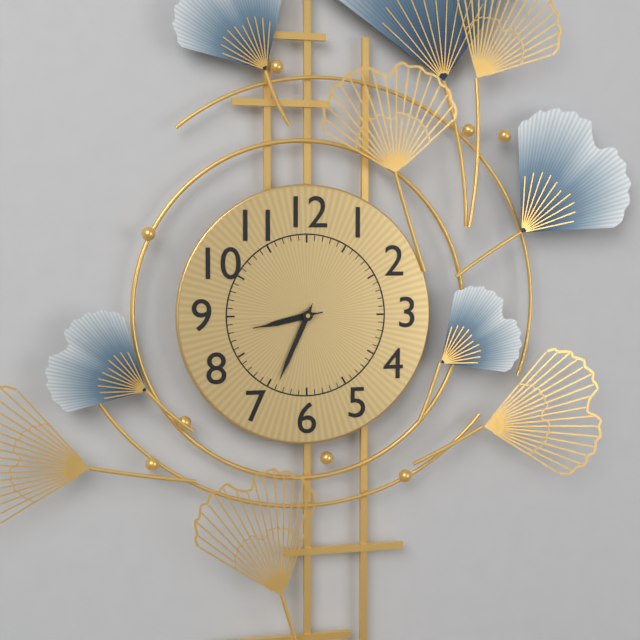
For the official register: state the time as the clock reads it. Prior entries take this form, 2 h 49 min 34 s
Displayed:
8 h 34 min 43 s
